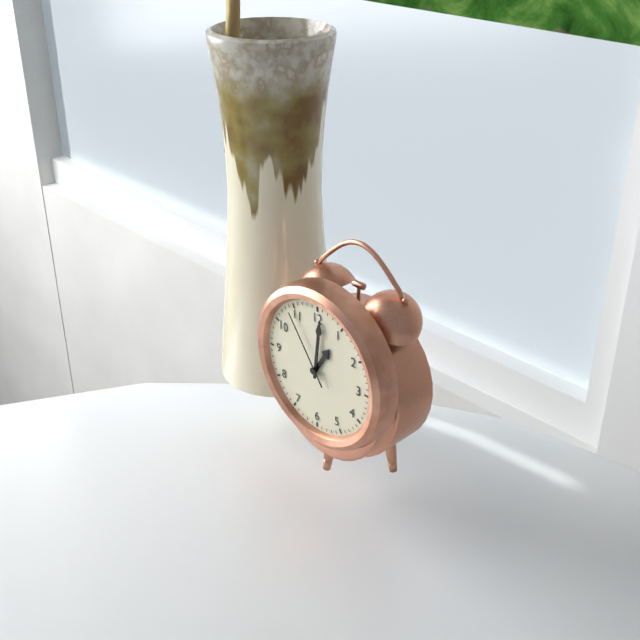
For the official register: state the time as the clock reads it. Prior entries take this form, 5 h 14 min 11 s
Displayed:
1 h 01 min 54 s
